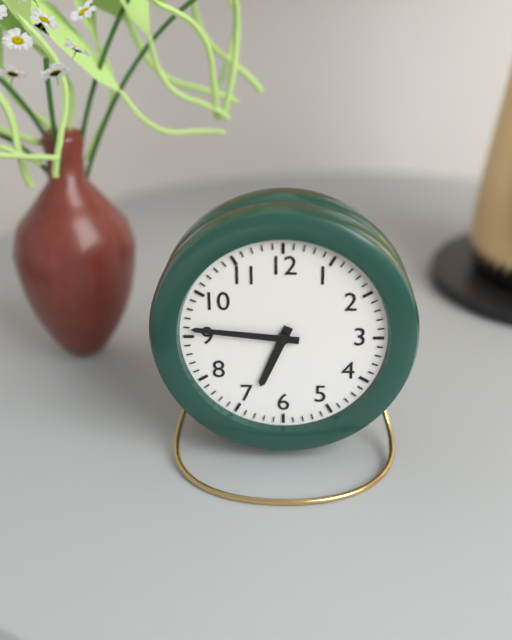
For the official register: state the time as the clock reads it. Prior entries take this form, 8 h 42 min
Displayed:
6 h 46 min
